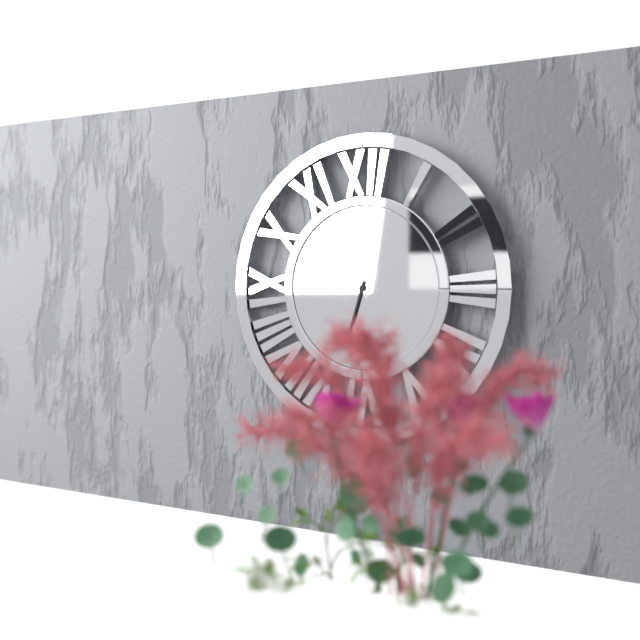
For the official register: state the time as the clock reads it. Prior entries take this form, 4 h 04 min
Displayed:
6 h 33 min
